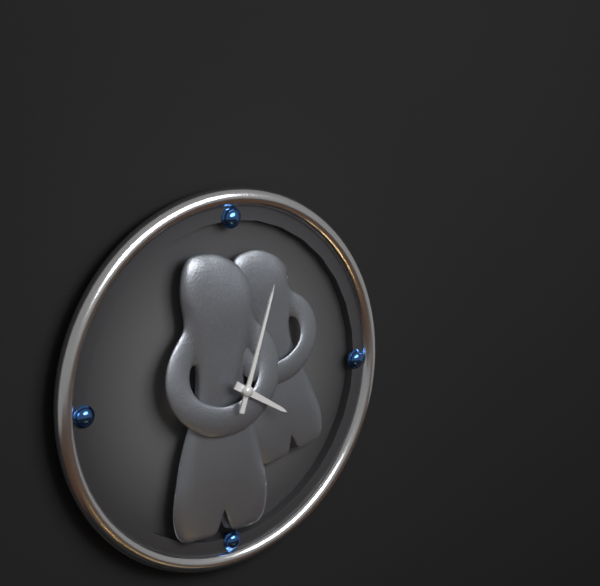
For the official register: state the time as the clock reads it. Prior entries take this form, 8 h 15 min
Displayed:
4 h 03 min
